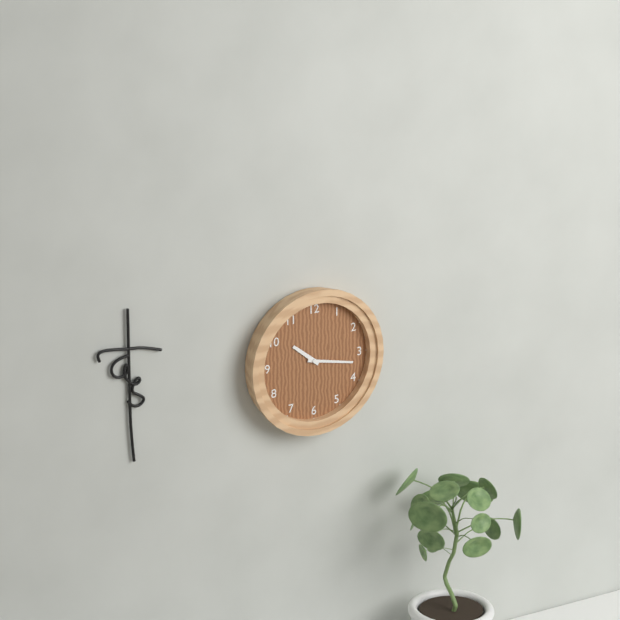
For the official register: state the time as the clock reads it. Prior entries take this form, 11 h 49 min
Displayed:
10 h 17 min
